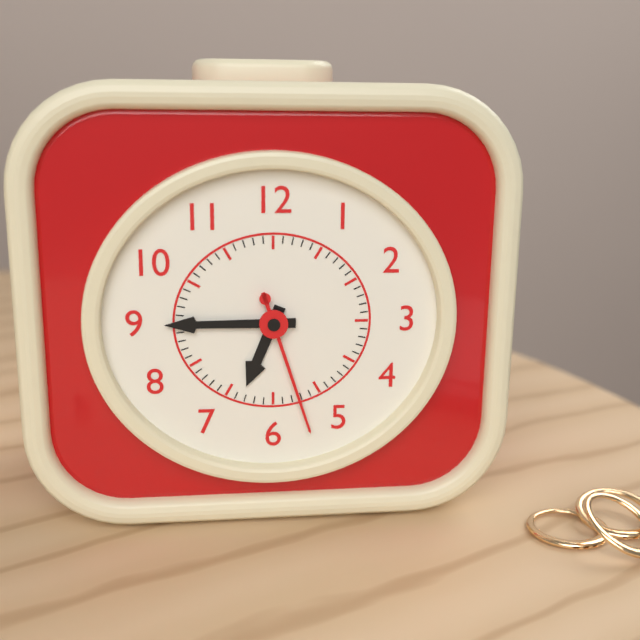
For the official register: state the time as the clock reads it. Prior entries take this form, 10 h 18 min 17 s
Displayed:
6 h 45 min 27 s
